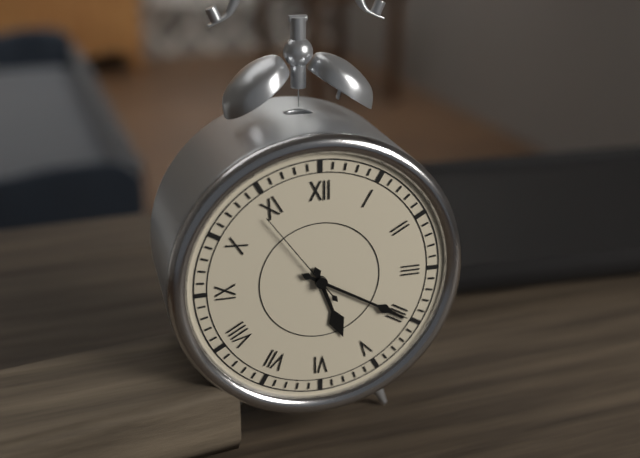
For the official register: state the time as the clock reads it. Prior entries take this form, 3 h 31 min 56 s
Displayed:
5 h 20 min 54 s
